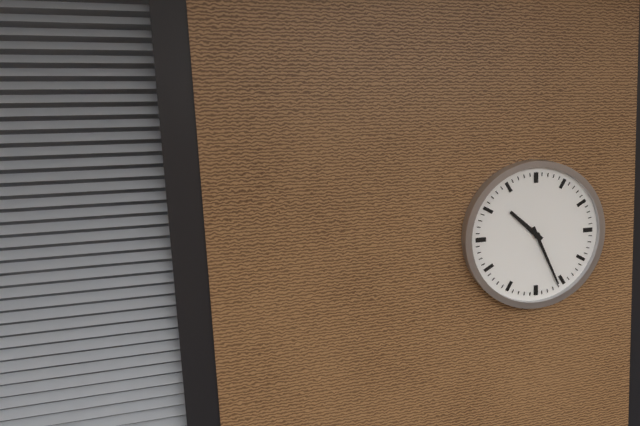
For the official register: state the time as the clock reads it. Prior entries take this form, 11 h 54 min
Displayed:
10 h 26 min
